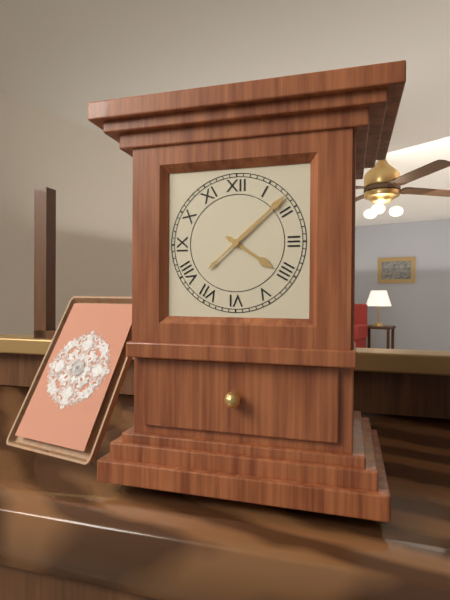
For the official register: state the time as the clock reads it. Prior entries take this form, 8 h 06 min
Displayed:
4 h 08 min
